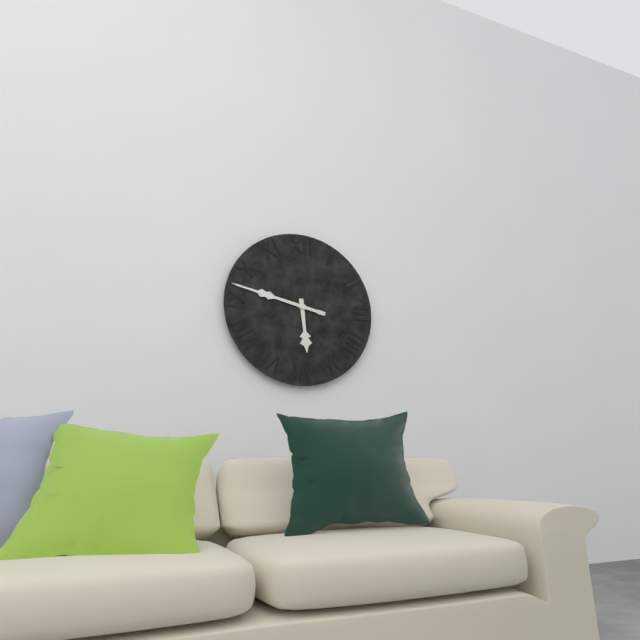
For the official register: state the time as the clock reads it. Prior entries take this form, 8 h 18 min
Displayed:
5 h 47 min
